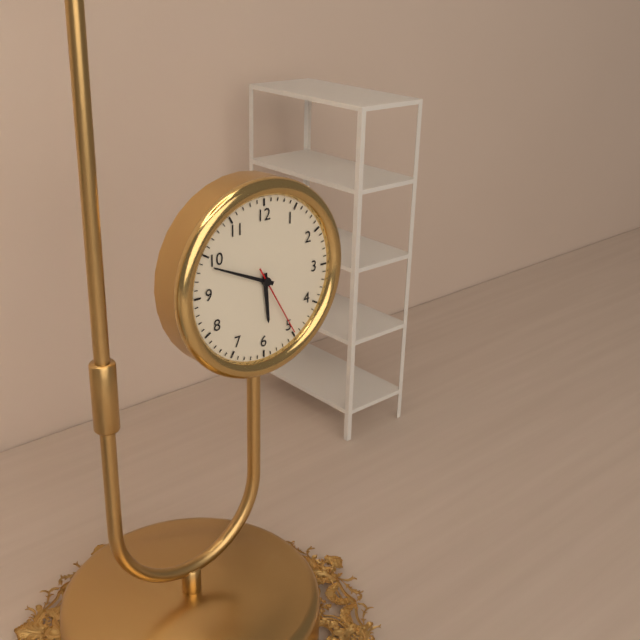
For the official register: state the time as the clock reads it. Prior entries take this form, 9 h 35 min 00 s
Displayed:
5 h 49 min 25 s
